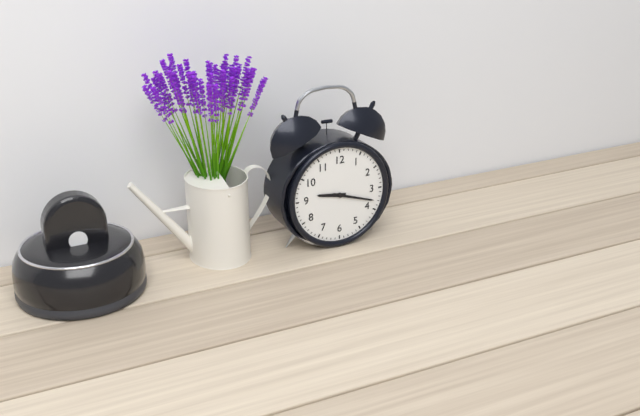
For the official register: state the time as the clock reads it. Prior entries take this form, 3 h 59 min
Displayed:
9 h 18 min
